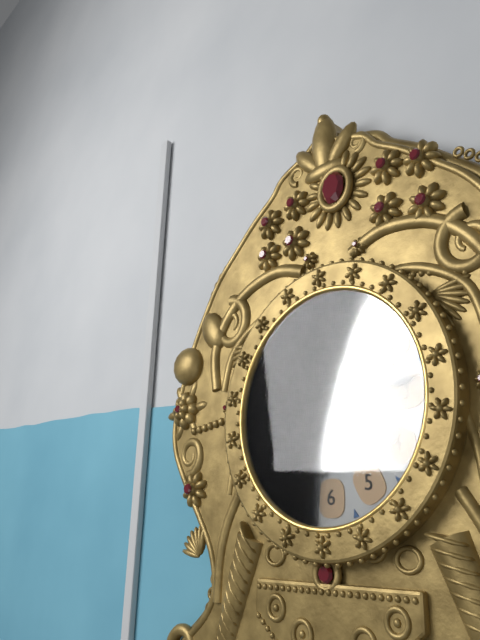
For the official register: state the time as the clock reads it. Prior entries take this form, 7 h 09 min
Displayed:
6 h 14 min
